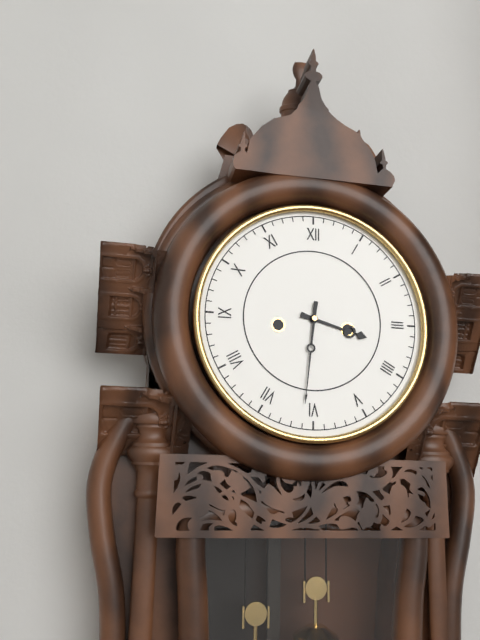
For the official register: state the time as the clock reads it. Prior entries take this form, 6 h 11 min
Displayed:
3 h 31 min
